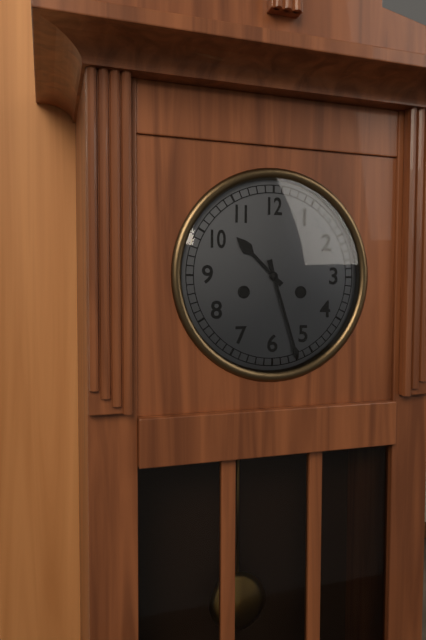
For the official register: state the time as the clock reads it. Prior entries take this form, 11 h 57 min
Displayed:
10 h 27 min
